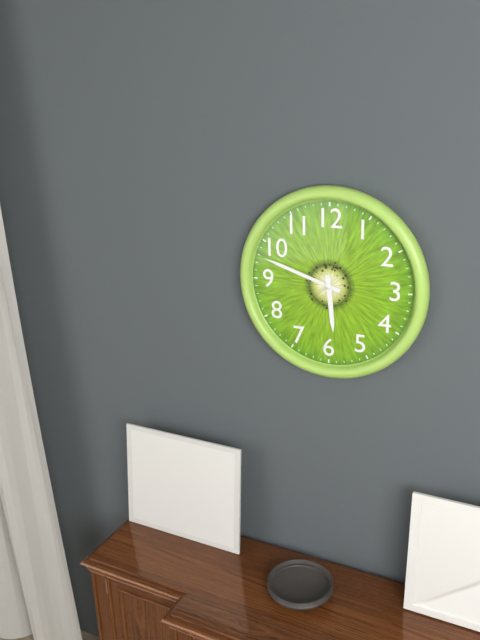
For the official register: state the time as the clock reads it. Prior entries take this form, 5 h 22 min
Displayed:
5 h 48 min
